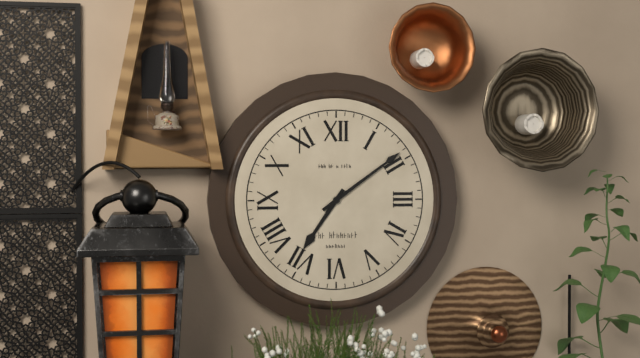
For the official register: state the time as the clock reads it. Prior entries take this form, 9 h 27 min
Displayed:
7 h 09 min
